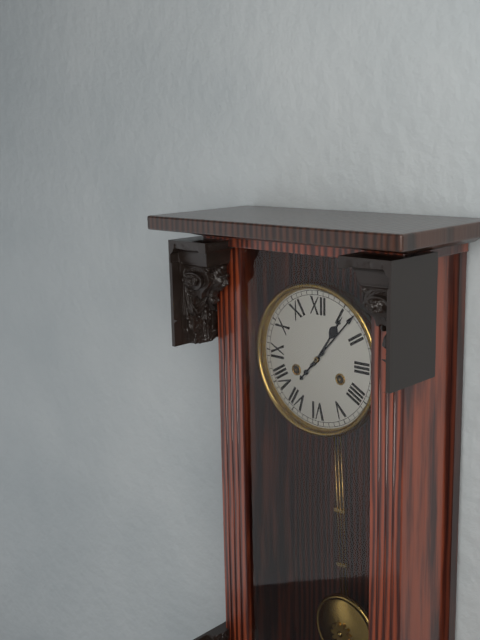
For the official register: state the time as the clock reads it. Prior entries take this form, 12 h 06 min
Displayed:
1 h 07 min
